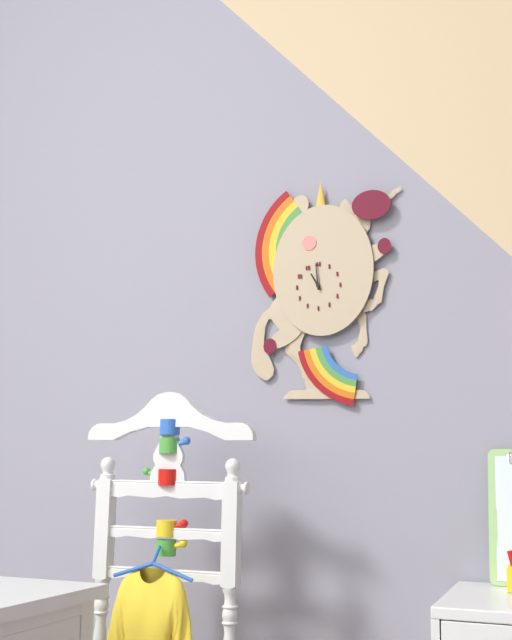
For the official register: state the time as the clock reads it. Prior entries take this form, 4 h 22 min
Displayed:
10 h 59 min
